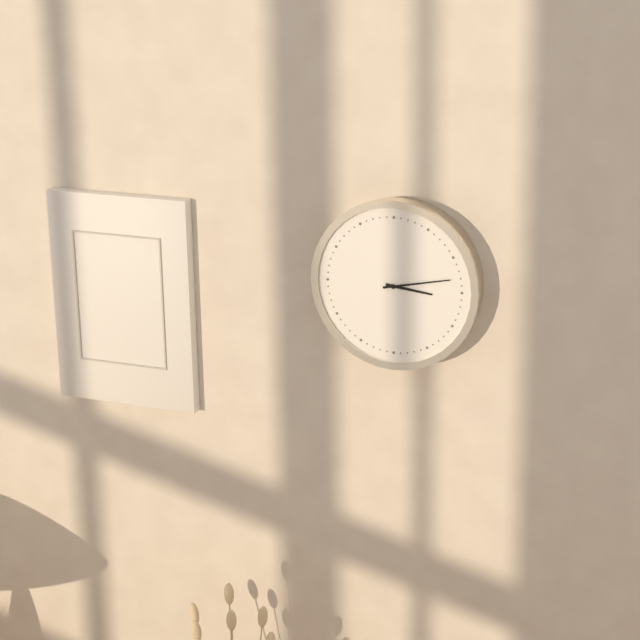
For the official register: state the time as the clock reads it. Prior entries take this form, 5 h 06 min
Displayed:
3 h 13 min
